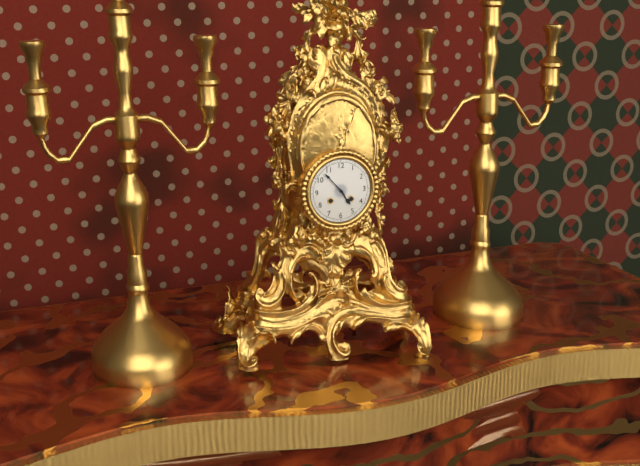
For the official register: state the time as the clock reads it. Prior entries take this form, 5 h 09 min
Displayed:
4 h 53 min
